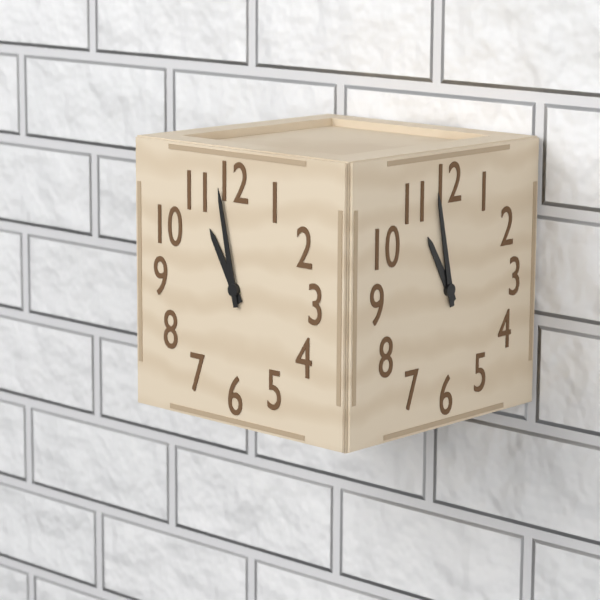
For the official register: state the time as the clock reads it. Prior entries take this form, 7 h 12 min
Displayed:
10 h 58 min
